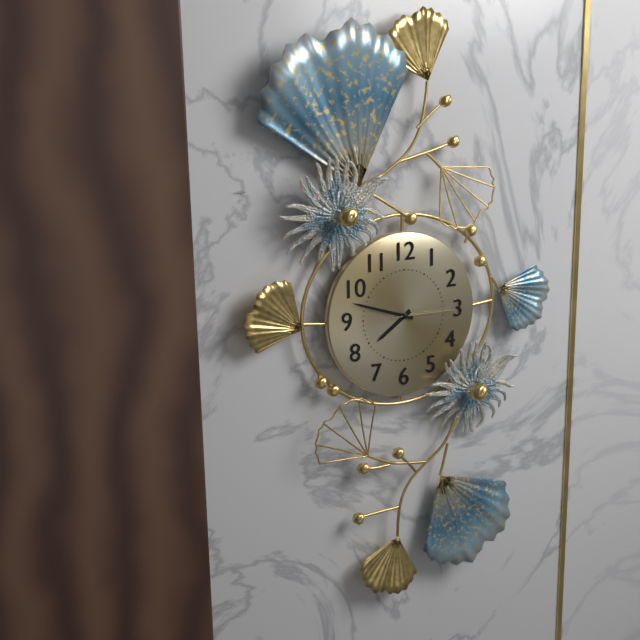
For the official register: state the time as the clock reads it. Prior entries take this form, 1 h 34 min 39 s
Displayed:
7 h 48 min 15 s
